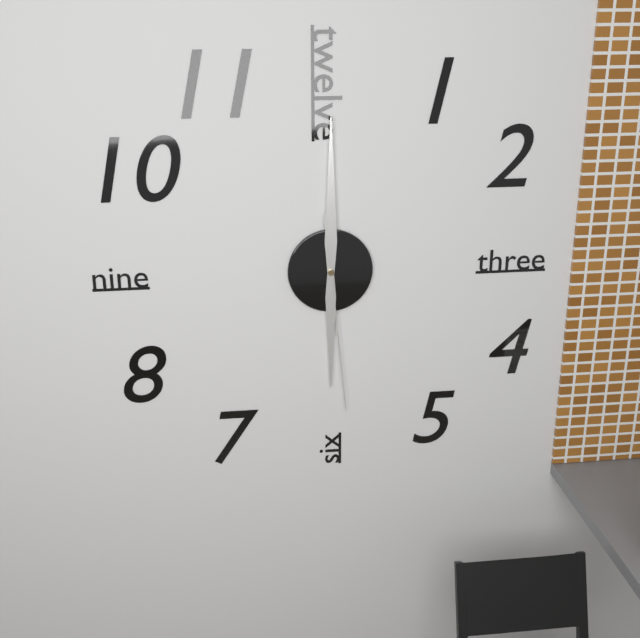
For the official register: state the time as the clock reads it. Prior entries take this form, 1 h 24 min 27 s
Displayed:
6 h 00 min 29 s
